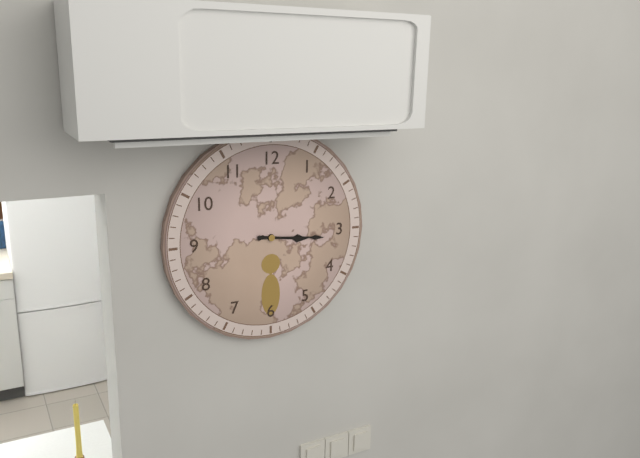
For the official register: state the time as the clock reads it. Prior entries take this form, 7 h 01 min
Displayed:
3 h 16 min
